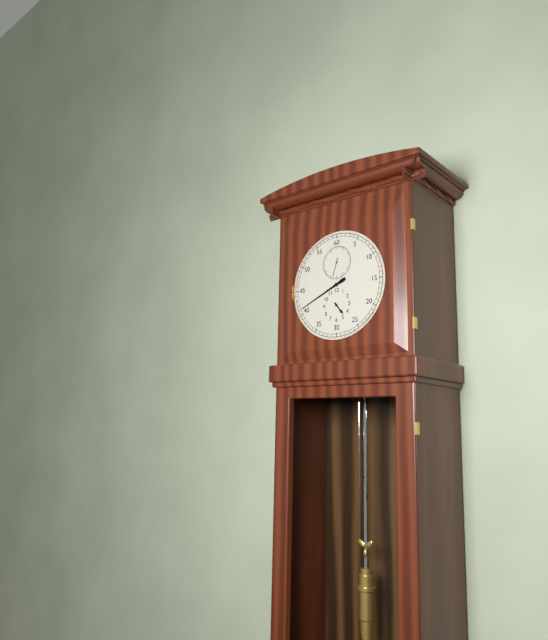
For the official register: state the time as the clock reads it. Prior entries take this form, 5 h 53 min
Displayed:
4 h 41 min
